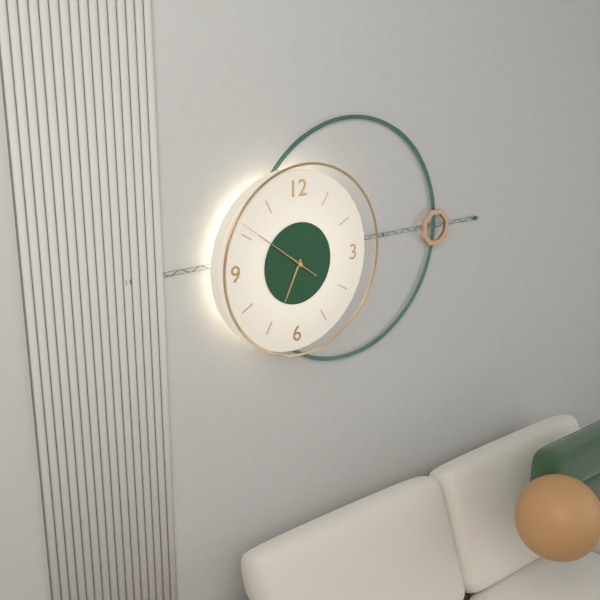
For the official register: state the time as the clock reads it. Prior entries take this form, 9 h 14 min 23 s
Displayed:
6 h 51 min 51 s
